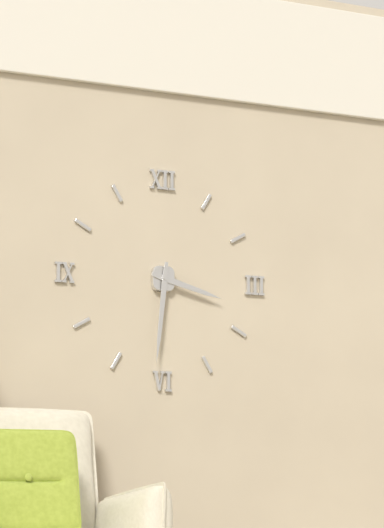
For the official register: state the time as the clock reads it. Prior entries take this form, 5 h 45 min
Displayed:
3 h 31 min
